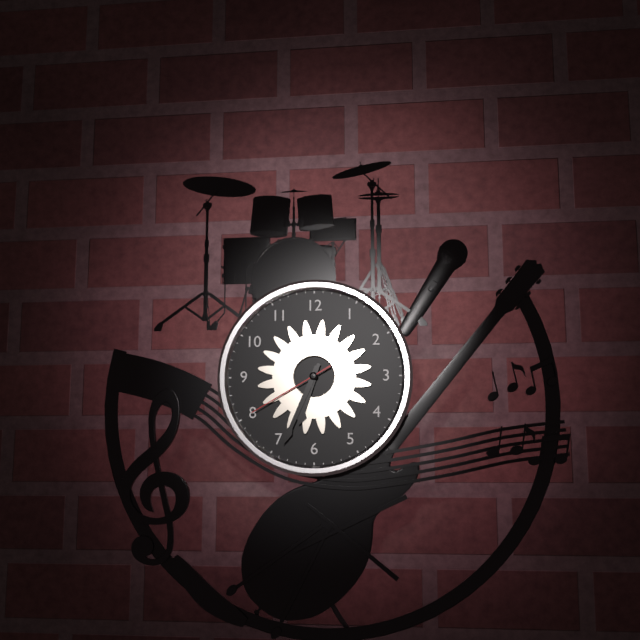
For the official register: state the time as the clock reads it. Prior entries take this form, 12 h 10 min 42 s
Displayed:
6 h 34 min 40 s
